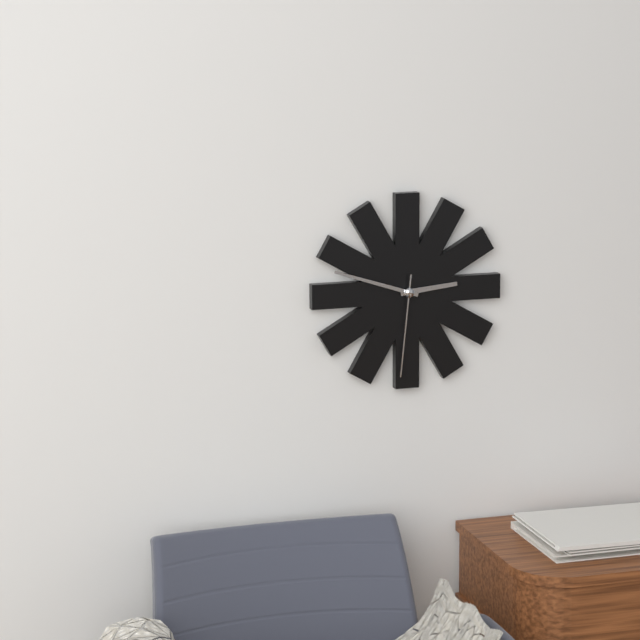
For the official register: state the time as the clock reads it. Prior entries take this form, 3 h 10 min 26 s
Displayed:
2 h 48 min 31 s
